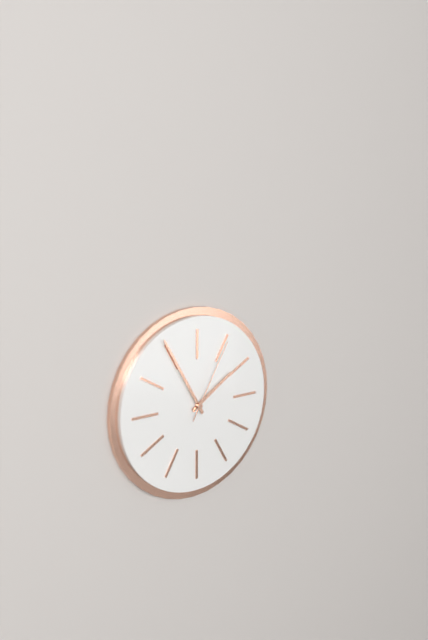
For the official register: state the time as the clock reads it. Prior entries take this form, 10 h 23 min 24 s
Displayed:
1 h 55 min 05 s
